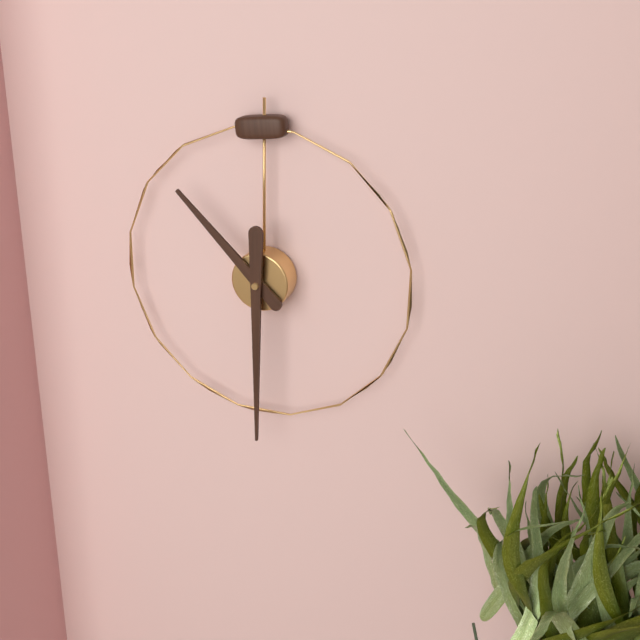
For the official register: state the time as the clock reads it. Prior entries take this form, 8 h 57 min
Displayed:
10 h 30 min
